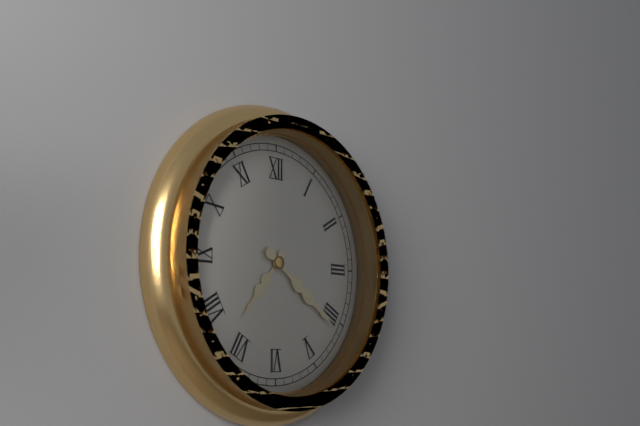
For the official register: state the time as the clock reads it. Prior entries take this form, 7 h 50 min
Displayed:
7 h 21 min
